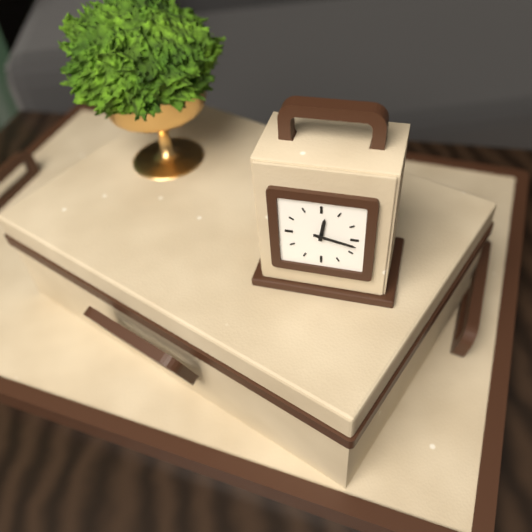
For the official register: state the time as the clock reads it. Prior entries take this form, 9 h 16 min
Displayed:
12 h 17 min
